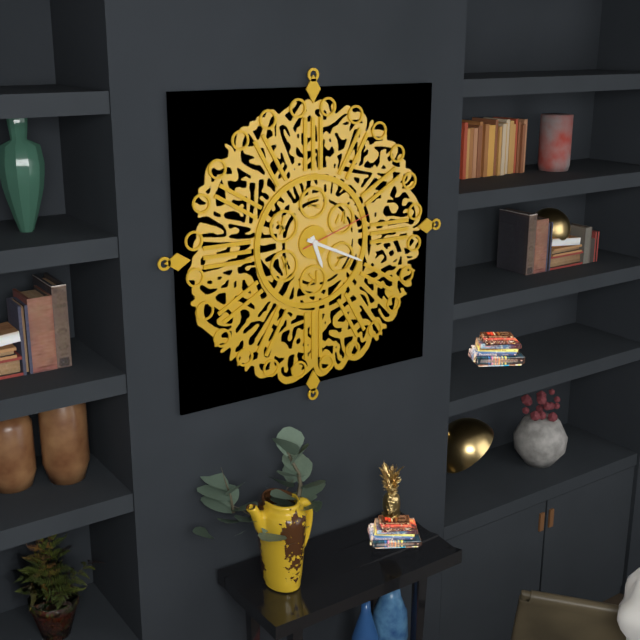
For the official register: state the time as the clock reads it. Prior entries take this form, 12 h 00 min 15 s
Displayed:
5 h 19 min 12 s
